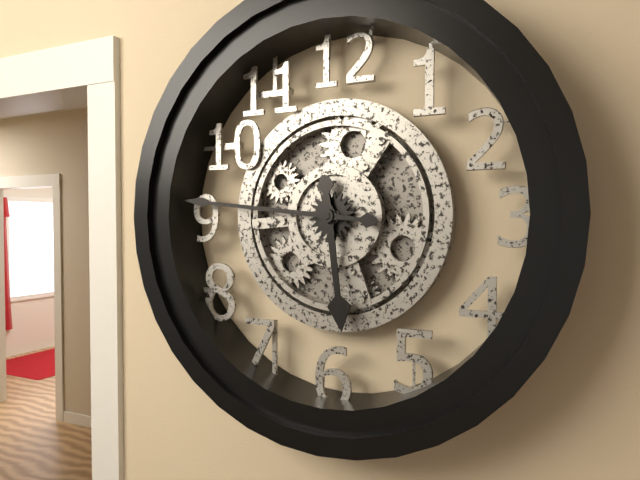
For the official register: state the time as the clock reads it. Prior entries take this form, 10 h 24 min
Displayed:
5 h 46 min
